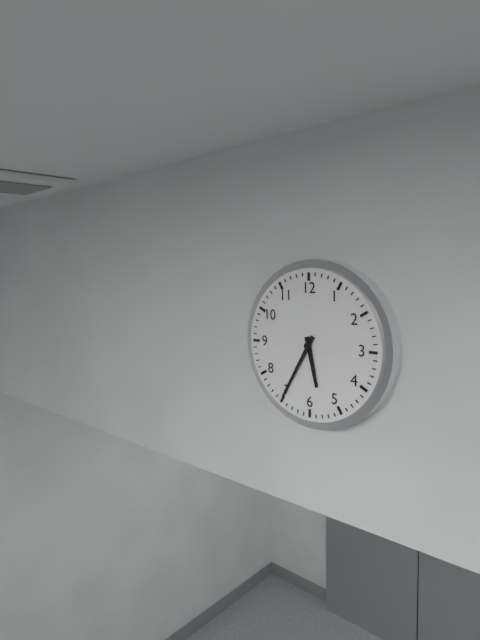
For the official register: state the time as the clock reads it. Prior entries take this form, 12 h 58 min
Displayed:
5 h 35 min
